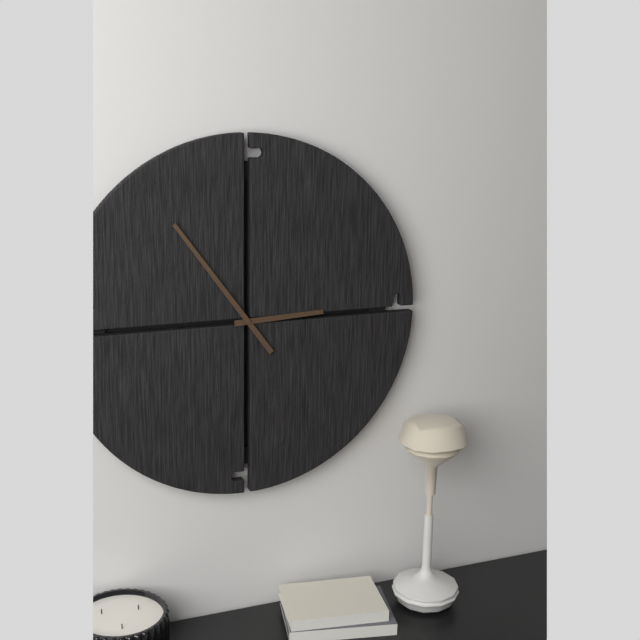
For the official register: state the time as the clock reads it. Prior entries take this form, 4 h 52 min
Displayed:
2 h 54 min
